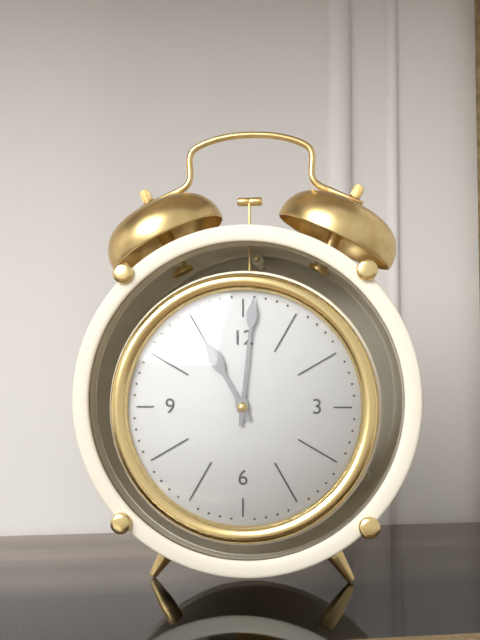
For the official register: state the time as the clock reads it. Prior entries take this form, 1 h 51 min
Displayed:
11 h 01 min
